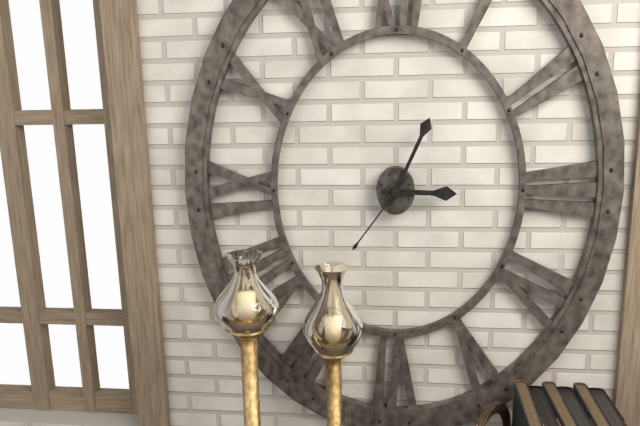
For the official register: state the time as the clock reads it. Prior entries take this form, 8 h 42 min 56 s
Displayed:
3 h 04 min 36 s
